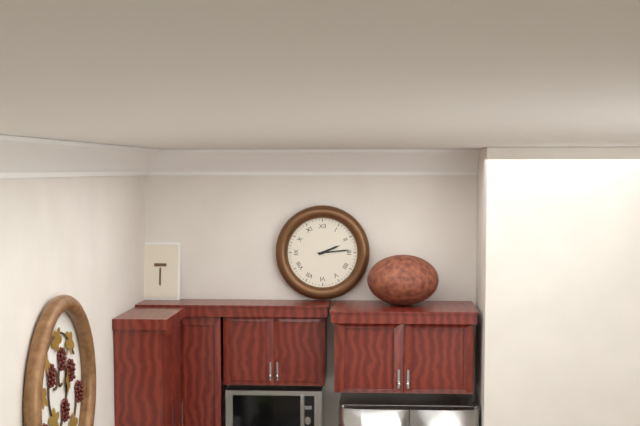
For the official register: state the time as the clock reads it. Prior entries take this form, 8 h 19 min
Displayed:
2 h 14 min
